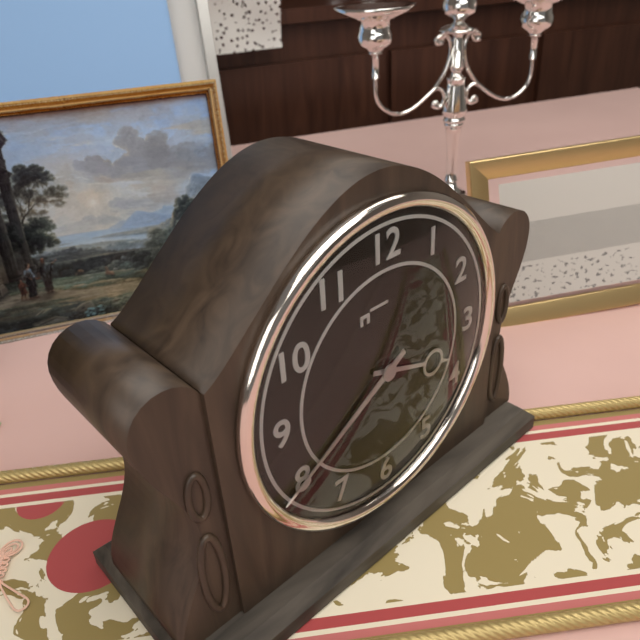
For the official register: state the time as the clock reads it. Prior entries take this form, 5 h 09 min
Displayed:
3 h 40 min
